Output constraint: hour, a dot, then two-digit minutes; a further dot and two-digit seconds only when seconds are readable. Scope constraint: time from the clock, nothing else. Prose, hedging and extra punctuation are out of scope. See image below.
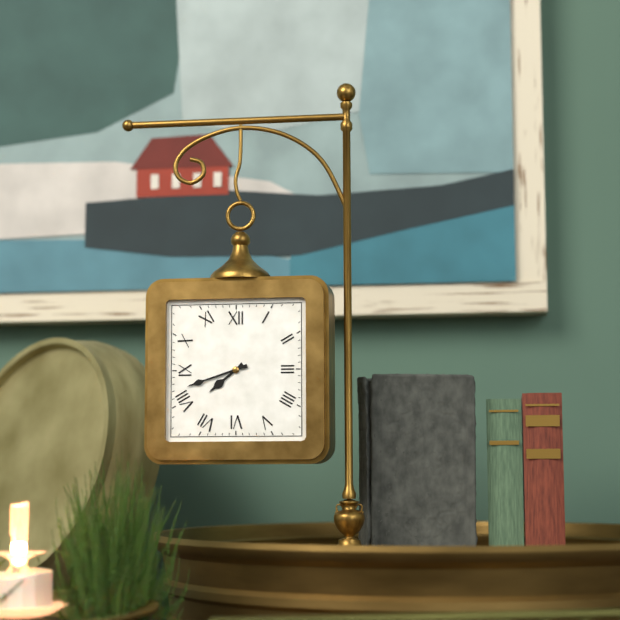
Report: 7.42
